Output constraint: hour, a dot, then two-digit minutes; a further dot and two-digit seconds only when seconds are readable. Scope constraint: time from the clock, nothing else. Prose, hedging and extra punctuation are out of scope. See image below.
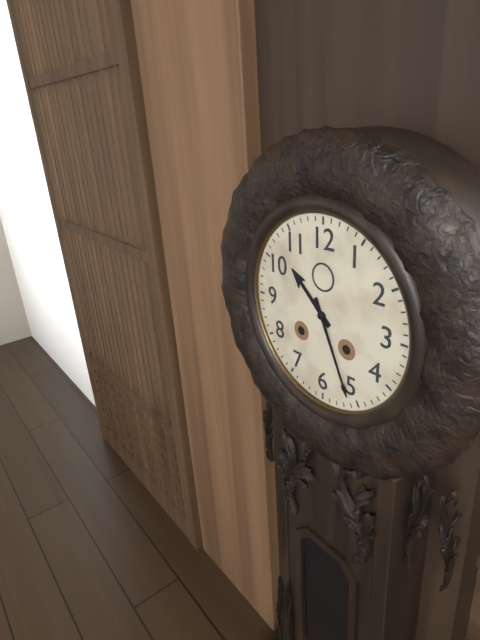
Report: 10.26
